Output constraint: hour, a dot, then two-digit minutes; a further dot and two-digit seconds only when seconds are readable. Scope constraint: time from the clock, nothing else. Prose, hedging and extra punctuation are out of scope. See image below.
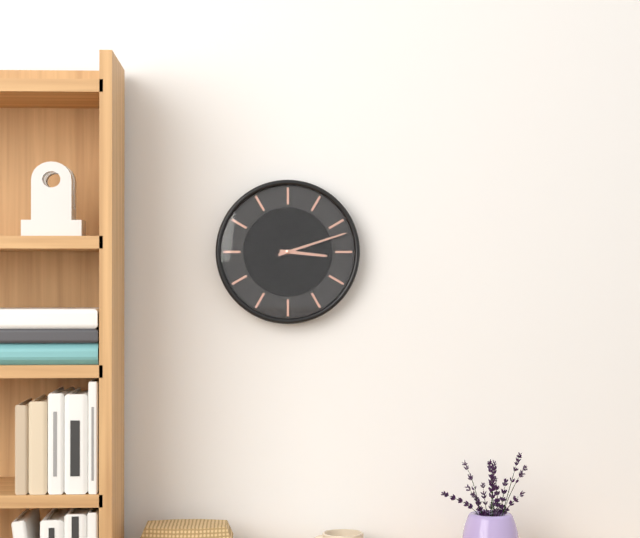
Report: 3.12
